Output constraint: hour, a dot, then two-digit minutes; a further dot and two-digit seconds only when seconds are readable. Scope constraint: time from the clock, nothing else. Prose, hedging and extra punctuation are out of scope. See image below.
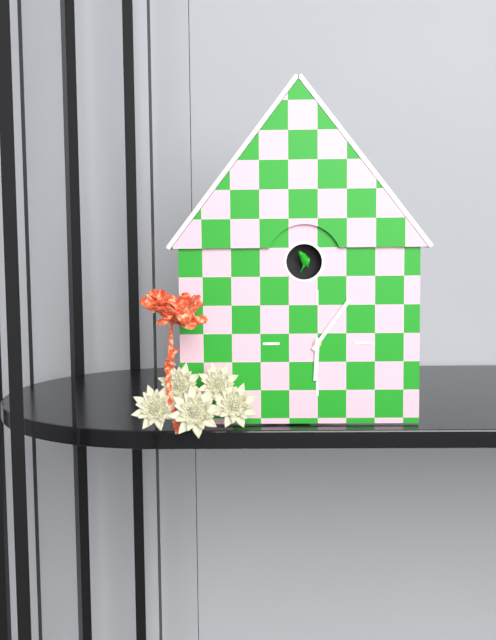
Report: 6.06
